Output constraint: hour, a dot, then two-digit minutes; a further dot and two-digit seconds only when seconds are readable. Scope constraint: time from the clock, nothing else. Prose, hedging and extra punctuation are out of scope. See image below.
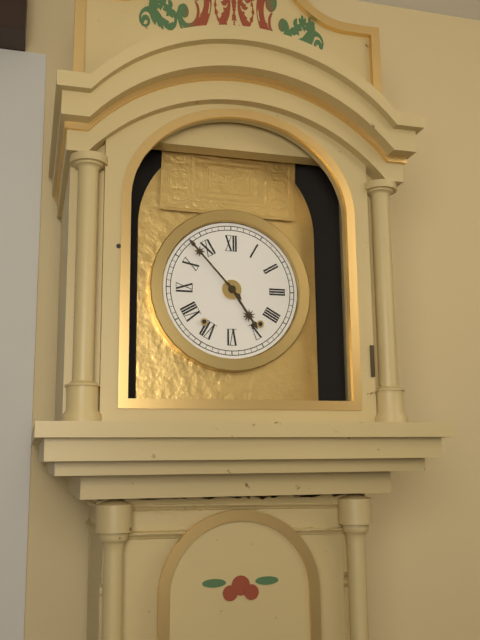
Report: 4.53
